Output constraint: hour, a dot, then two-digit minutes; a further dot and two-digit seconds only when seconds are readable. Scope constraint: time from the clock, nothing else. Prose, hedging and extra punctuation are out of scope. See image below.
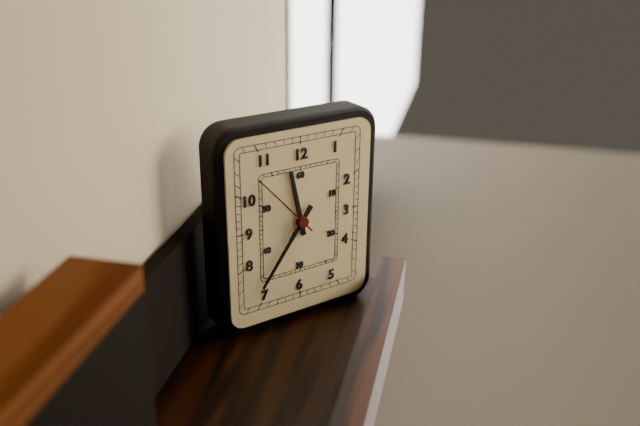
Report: 11.36.53
